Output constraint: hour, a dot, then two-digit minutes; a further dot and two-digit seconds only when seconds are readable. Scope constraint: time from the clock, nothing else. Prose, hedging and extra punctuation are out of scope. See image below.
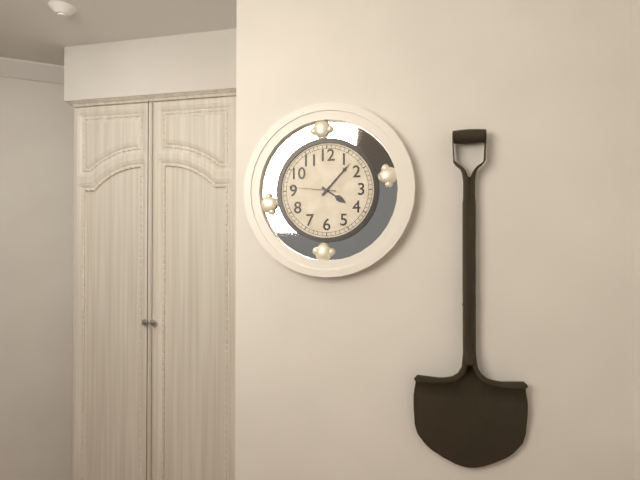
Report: 4.07.46
